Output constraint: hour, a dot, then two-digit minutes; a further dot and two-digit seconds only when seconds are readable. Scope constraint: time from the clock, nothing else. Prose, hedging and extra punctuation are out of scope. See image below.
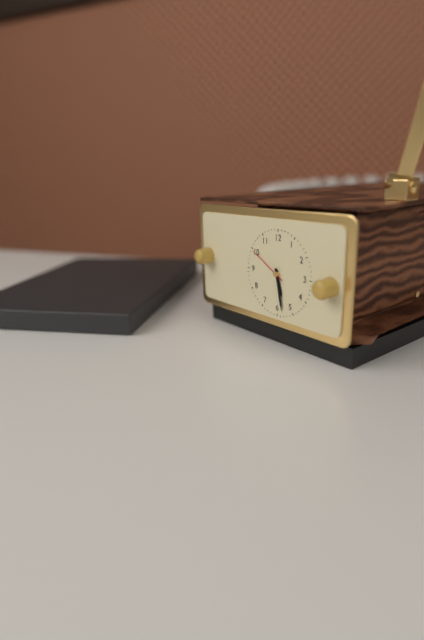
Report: 5.28
